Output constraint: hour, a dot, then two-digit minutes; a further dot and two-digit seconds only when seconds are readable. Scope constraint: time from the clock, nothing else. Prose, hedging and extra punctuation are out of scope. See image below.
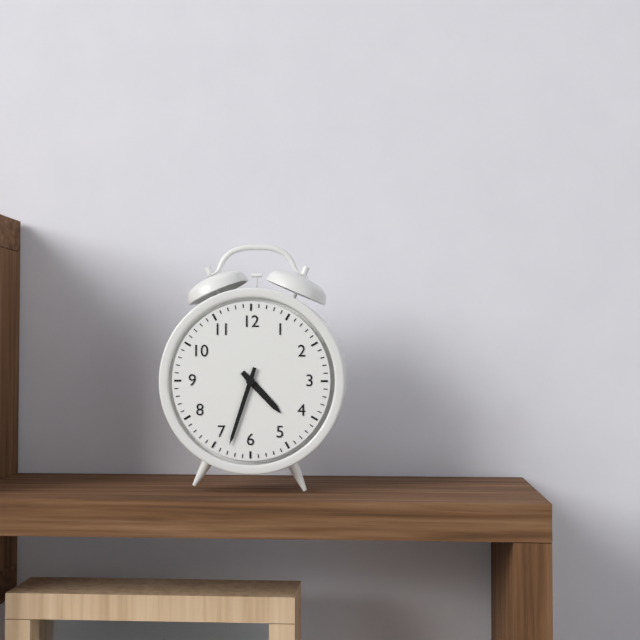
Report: 4.33
